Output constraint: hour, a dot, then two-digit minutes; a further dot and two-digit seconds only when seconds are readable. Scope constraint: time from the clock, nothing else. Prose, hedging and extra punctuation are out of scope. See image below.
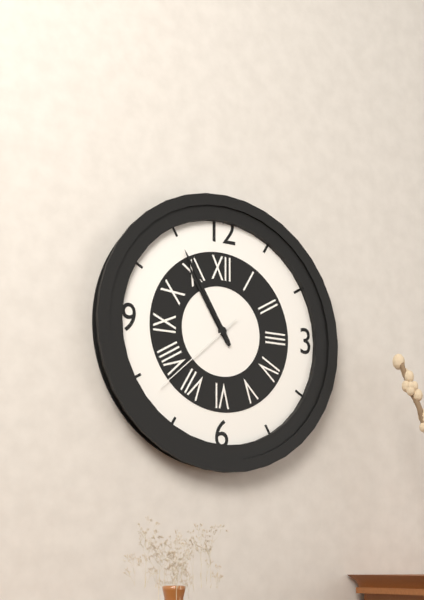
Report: 10.55.38
